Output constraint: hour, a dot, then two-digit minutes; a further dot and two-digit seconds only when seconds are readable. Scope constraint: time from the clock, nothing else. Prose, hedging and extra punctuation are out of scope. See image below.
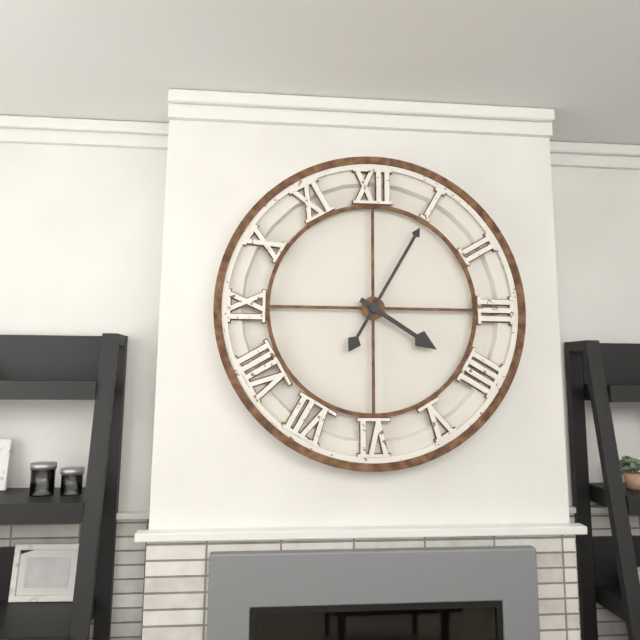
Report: 4.05
